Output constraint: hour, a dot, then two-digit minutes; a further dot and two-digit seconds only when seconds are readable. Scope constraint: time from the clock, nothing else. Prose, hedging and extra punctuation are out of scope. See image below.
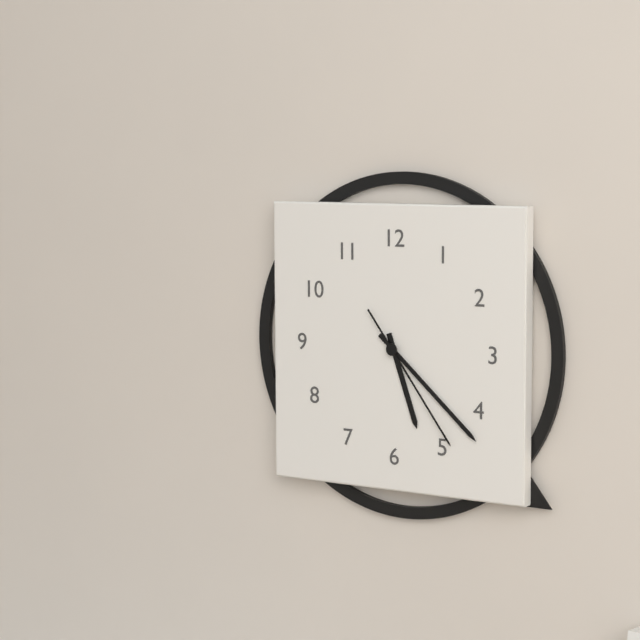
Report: 5.22.24
